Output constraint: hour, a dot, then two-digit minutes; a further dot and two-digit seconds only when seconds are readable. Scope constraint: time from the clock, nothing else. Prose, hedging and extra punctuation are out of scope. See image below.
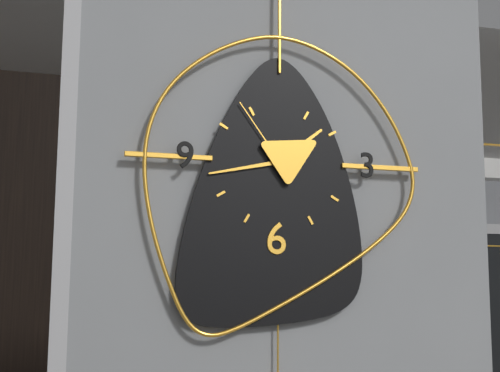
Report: 1.43.54
